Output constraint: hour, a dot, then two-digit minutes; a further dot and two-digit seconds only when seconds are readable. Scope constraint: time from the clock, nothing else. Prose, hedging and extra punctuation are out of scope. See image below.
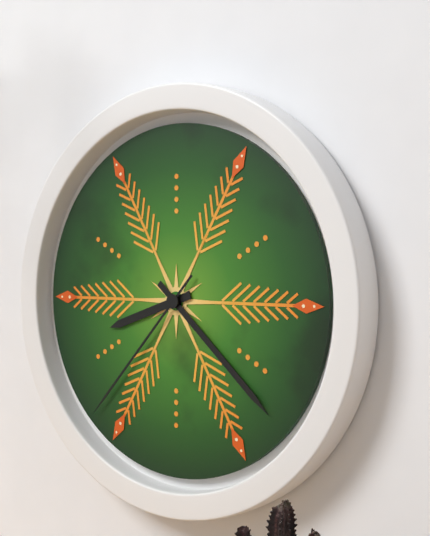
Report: 8.22.37
